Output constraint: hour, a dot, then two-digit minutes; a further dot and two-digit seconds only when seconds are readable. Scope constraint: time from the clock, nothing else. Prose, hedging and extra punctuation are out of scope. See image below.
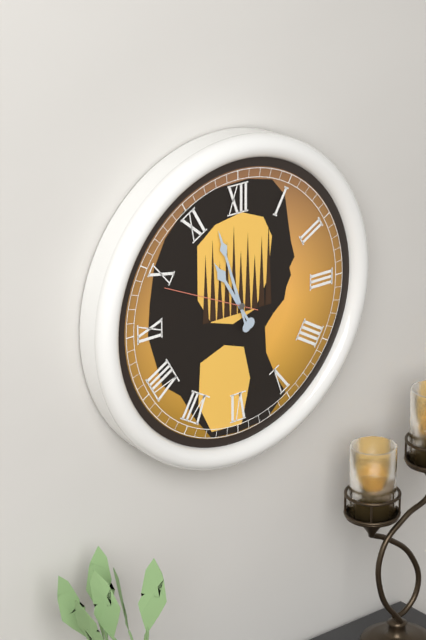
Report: 10.57.49
